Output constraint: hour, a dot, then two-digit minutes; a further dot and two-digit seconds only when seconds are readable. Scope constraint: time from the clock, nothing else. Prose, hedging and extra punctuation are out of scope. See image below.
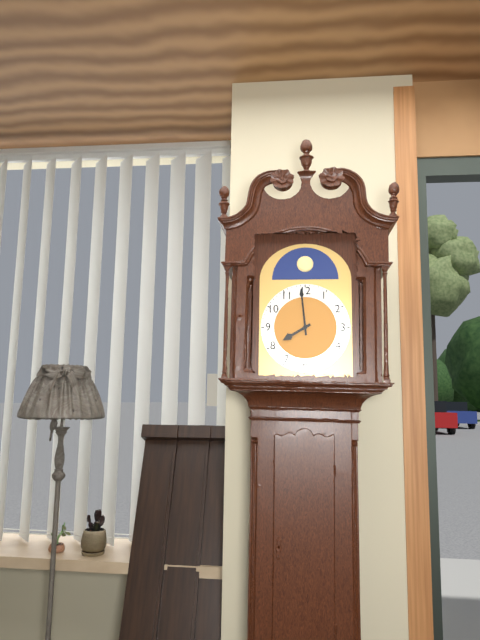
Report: 7.59
